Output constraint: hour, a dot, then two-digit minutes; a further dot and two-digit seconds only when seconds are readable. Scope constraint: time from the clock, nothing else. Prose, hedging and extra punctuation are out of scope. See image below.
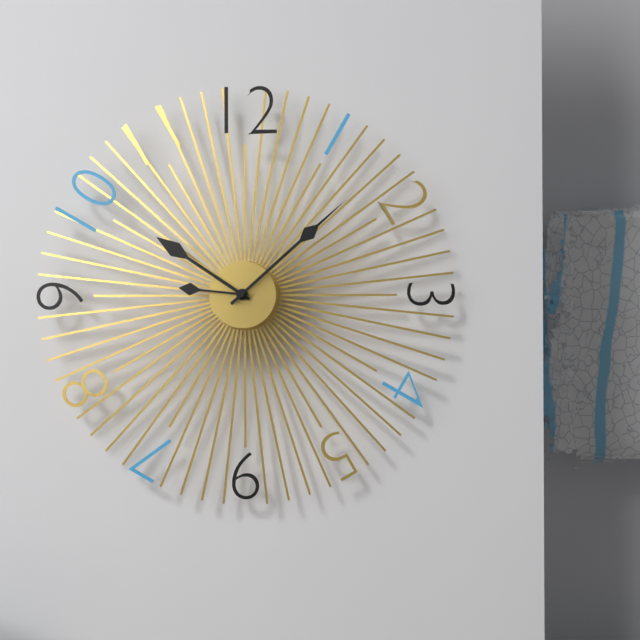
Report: 10.08.46
